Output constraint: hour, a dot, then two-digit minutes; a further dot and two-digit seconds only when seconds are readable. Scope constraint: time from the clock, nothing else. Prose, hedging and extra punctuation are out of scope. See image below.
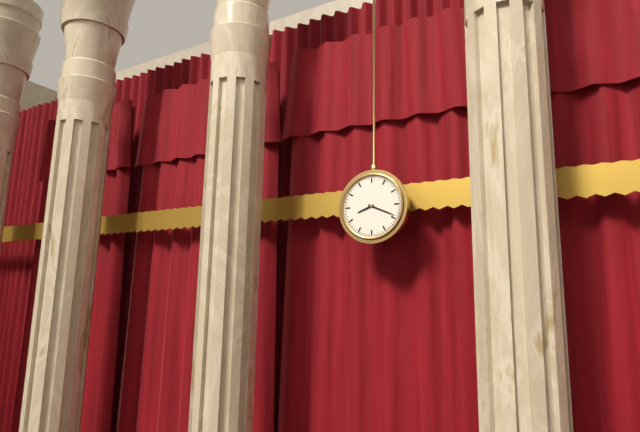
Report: 8.19
